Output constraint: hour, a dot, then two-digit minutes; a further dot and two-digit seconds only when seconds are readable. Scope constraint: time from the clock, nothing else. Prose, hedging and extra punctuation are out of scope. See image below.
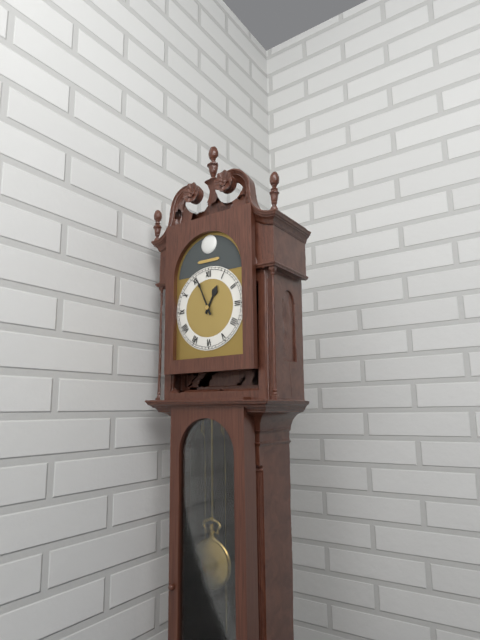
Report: 12.56
